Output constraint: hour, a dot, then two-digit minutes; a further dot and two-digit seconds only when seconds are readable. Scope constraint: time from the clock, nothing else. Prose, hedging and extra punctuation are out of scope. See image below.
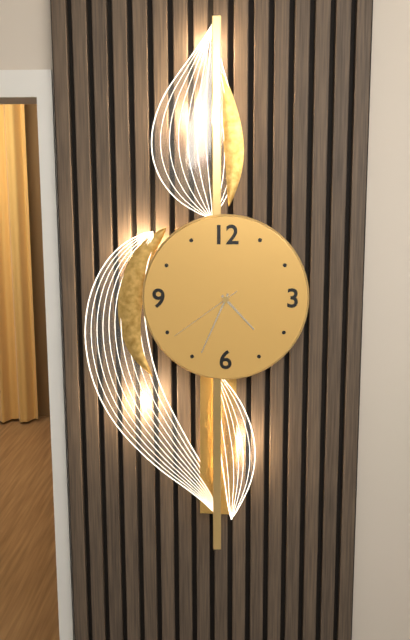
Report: 4.34.39
